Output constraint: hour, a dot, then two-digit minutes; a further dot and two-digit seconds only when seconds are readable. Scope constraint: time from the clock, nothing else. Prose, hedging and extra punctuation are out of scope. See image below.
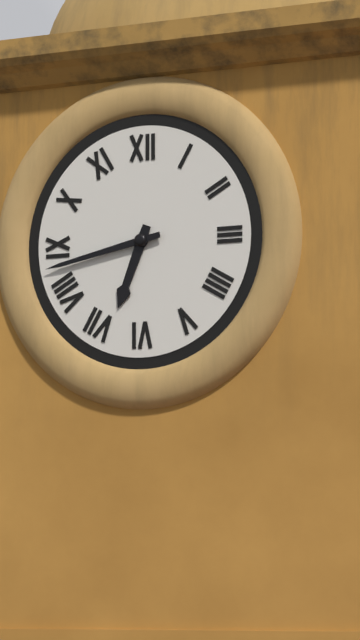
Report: 6.43
